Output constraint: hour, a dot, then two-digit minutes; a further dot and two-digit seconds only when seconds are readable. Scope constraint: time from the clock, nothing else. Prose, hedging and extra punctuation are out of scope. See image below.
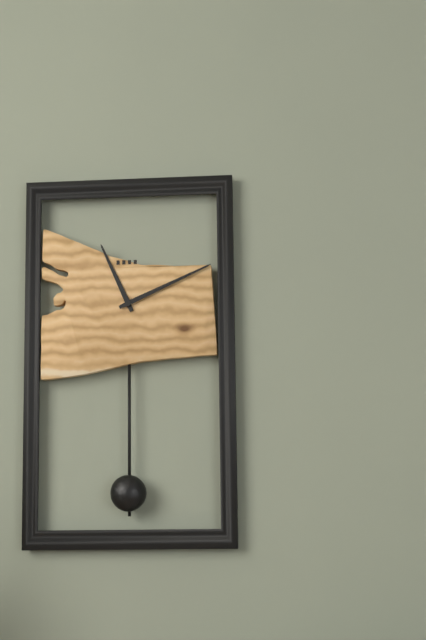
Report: 11.11
